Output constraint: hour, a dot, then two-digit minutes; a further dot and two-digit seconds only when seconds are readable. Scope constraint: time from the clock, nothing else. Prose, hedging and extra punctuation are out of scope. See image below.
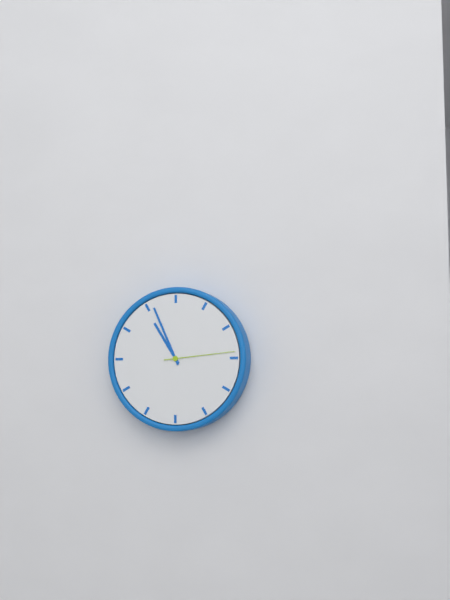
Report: 10.56.14
